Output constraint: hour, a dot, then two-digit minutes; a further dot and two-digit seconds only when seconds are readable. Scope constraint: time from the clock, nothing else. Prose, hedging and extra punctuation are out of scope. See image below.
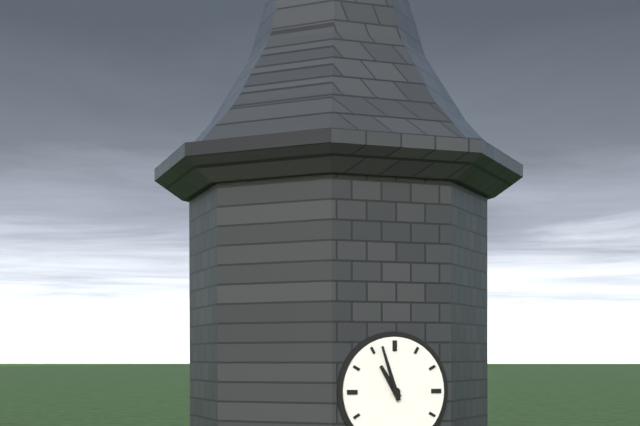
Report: 10.57
